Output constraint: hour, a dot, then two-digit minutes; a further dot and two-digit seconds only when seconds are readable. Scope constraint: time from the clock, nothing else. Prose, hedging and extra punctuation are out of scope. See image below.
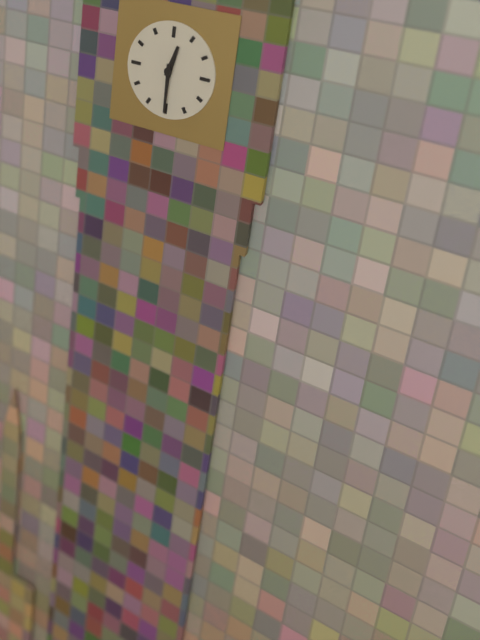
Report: 12.30
